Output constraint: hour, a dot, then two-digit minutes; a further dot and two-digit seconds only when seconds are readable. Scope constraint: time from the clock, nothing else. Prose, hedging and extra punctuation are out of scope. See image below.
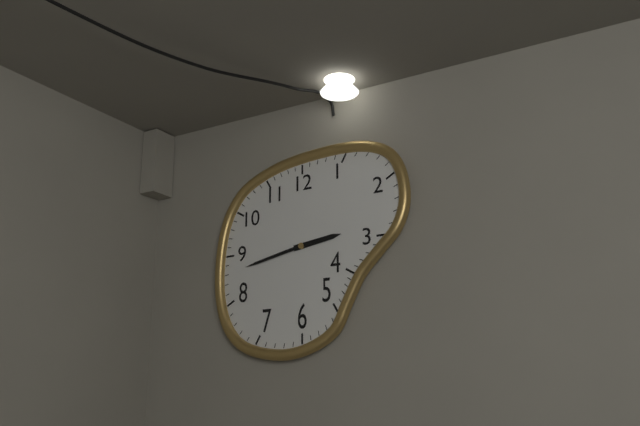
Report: 2.43
